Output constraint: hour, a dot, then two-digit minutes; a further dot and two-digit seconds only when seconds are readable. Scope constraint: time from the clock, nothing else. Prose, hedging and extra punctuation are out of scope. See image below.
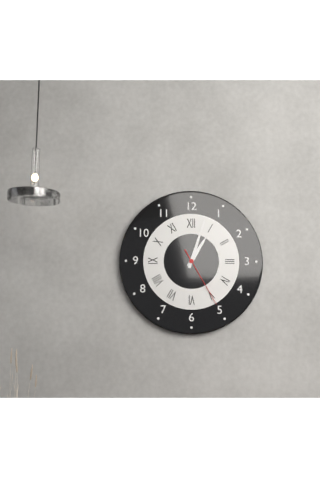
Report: 1.03.25
